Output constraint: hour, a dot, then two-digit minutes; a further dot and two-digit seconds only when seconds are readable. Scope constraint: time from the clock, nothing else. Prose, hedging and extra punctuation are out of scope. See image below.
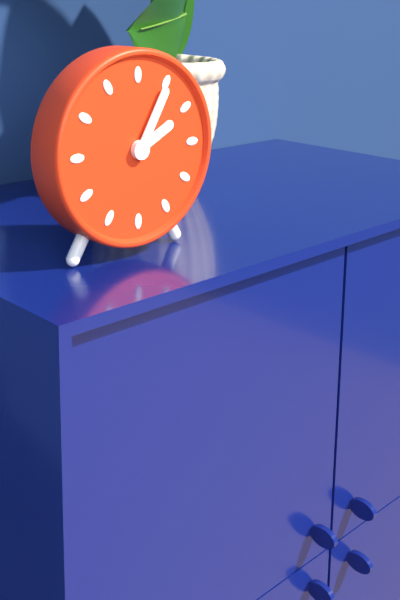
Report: 2.05
